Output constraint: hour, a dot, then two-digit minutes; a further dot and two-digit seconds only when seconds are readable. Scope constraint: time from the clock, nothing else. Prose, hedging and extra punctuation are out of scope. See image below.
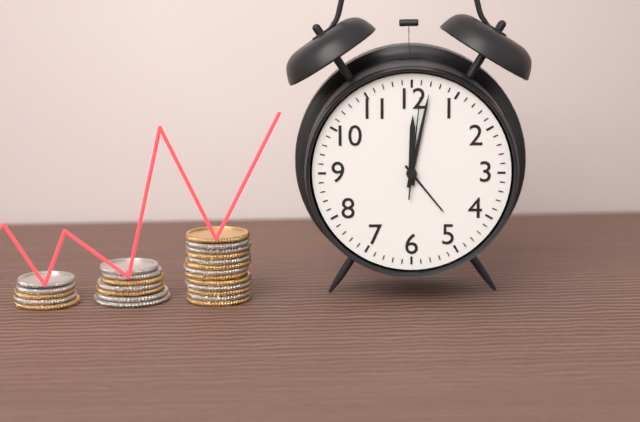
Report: 12.02.01
